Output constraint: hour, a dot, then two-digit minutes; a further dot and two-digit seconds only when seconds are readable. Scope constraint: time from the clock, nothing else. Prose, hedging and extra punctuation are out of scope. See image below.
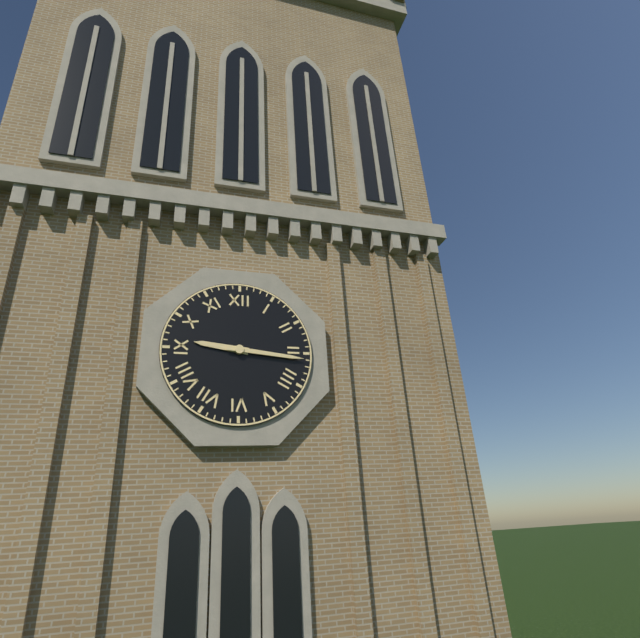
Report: 9.16
